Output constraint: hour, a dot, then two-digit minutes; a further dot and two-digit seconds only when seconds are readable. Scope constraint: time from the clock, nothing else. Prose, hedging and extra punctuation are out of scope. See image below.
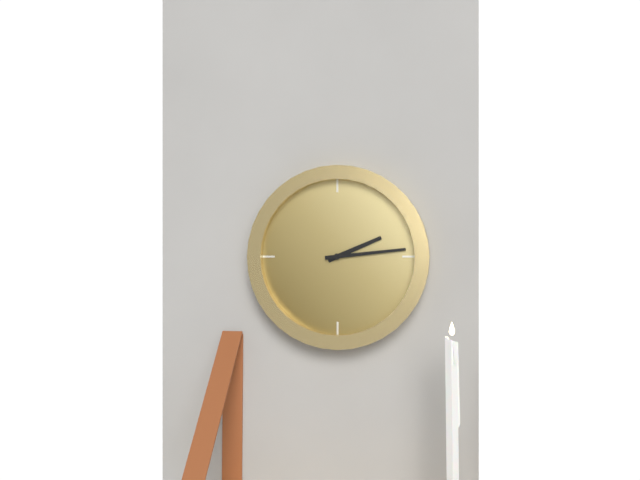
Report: 2.14
